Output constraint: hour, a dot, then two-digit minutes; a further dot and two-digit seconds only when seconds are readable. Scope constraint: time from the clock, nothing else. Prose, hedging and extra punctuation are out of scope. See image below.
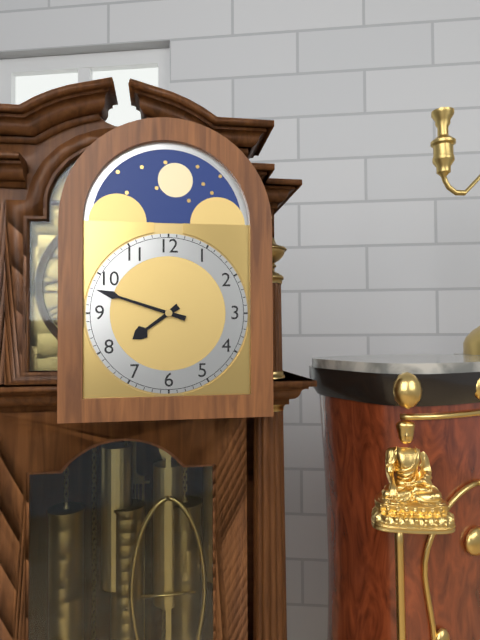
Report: 7.48
